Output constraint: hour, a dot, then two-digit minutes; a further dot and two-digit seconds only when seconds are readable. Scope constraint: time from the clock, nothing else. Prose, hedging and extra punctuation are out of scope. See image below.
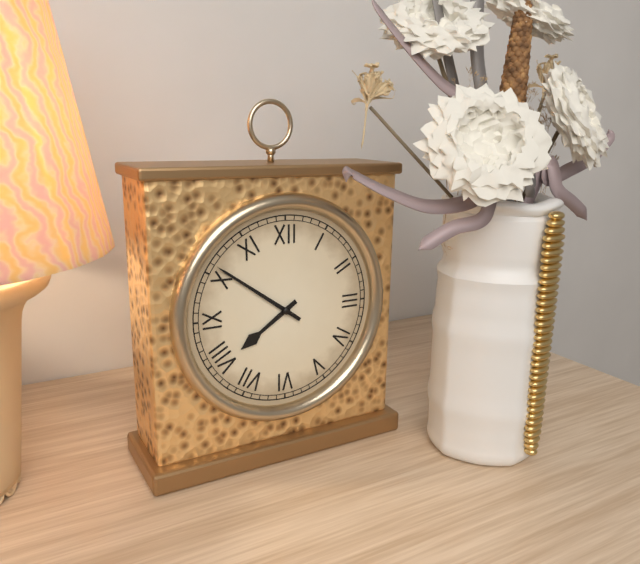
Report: 7.51
